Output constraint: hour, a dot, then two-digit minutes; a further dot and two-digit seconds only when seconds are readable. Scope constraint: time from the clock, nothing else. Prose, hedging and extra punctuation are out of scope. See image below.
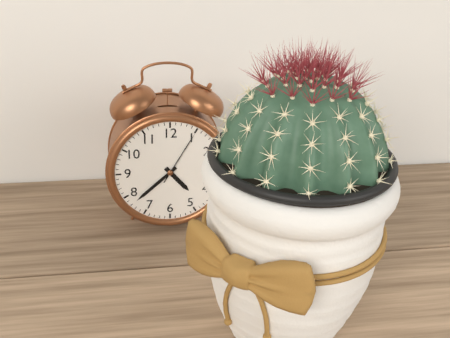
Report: 4.38.05
